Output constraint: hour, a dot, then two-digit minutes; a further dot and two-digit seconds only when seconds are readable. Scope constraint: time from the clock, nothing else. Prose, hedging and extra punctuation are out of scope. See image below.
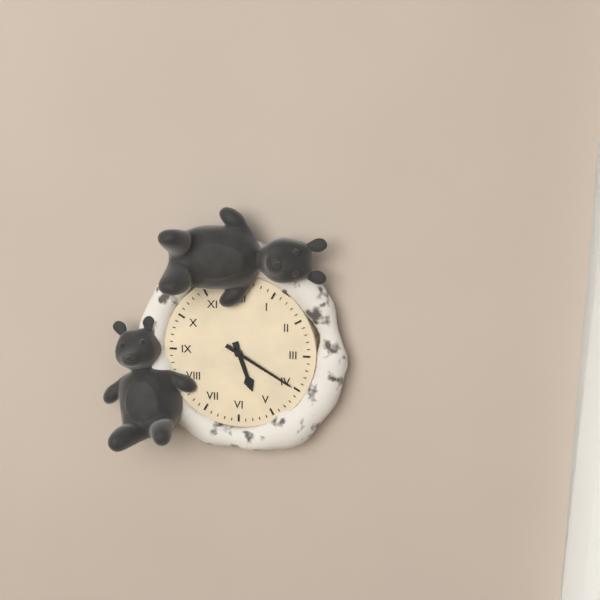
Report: 5.20
